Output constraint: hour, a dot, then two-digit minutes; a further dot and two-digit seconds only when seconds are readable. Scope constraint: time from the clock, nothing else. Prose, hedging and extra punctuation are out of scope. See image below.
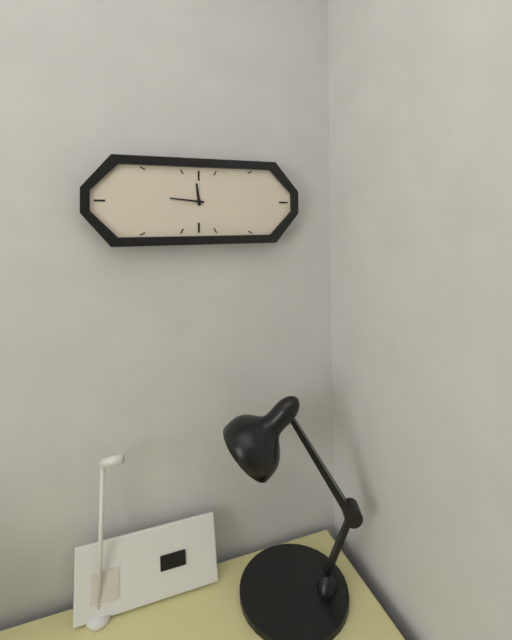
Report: 11.46
